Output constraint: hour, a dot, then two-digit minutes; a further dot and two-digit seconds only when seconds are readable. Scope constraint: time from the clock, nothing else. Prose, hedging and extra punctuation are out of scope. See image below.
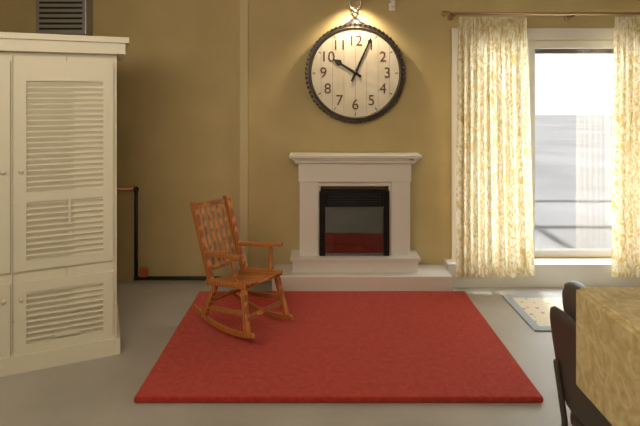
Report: 10.04
